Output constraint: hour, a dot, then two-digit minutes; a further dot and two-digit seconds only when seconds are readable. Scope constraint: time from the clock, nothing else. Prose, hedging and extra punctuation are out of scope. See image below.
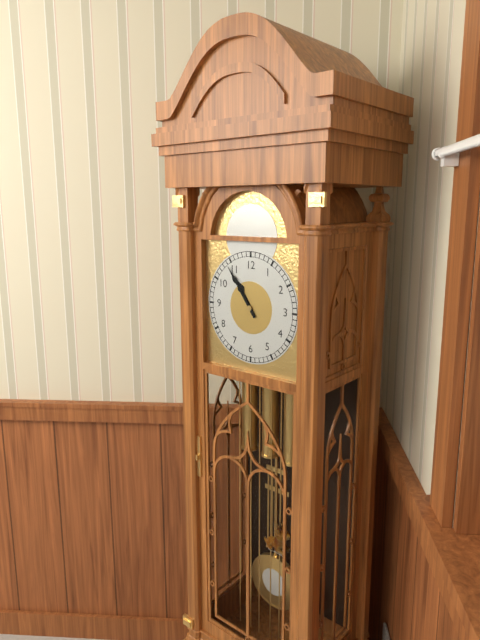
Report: 10.54
